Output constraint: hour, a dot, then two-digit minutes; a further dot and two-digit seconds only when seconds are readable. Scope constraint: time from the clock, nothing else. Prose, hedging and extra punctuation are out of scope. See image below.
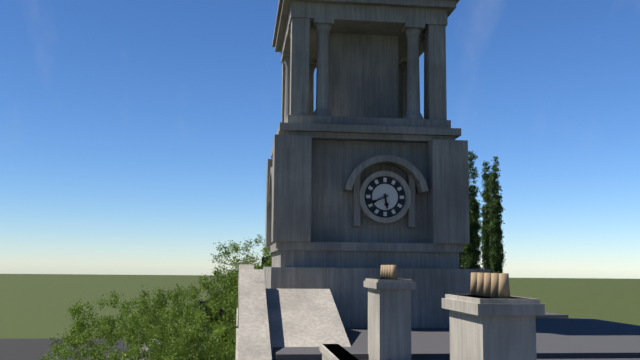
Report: 5.41
